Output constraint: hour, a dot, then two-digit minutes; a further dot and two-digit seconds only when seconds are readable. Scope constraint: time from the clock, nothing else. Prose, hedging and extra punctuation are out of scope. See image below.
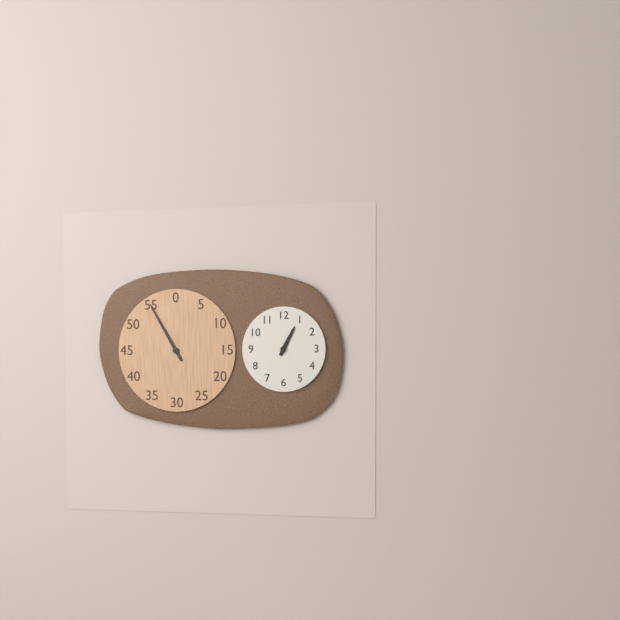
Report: 12.55
